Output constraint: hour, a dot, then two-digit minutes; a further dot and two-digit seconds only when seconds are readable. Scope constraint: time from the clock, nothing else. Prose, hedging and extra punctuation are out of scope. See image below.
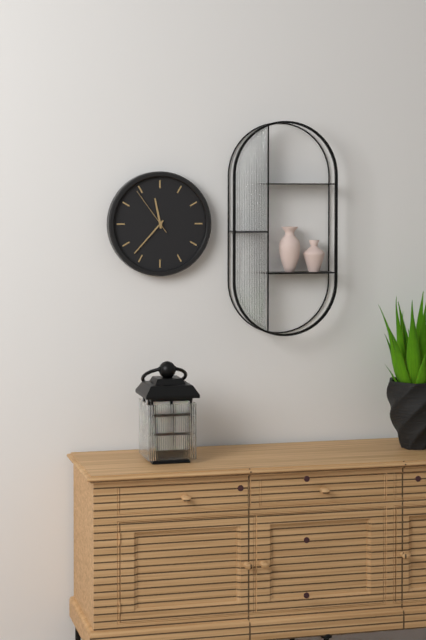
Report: 11.37.54
